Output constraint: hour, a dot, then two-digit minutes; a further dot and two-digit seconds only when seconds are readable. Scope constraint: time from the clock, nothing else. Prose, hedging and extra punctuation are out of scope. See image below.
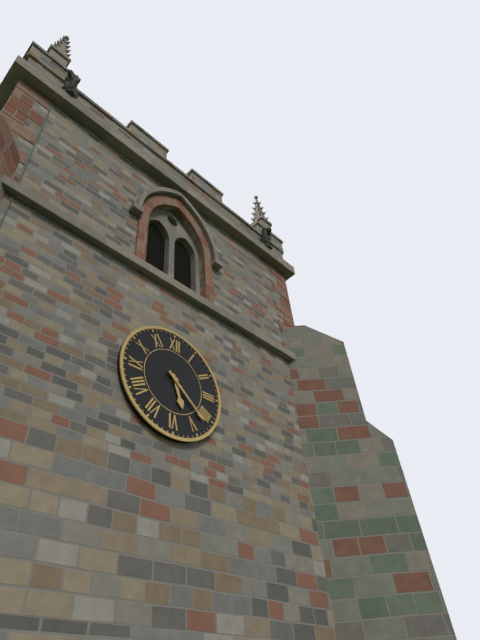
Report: 5.22
